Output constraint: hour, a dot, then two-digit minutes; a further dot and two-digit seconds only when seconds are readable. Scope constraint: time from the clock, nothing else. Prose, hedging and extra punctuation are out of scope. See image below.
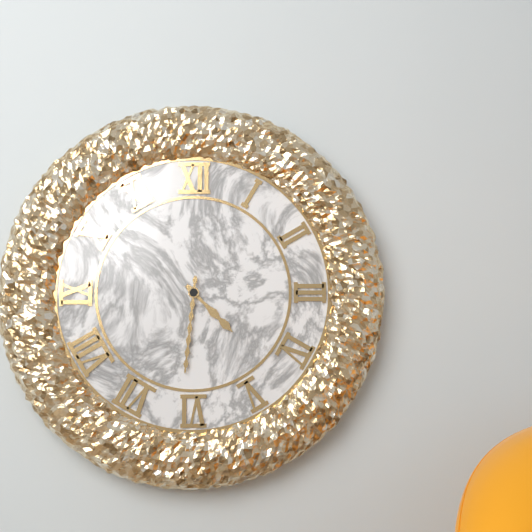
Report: 4.31
